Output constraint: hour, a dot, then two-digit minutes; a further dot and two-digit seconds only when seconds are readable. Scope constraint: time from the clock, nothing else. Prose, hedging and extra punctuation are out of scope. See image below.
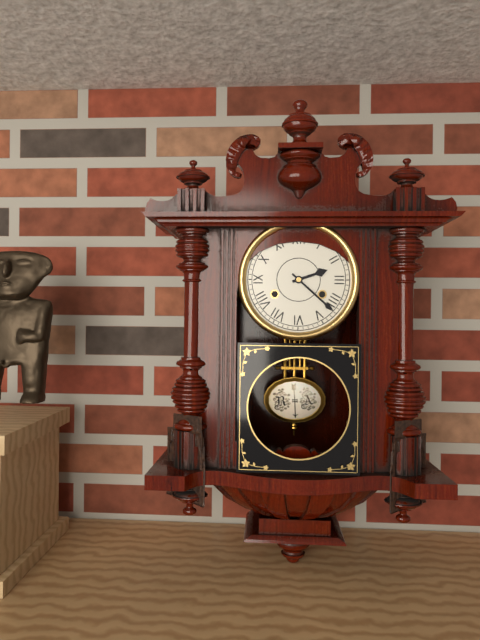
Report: 2.22
